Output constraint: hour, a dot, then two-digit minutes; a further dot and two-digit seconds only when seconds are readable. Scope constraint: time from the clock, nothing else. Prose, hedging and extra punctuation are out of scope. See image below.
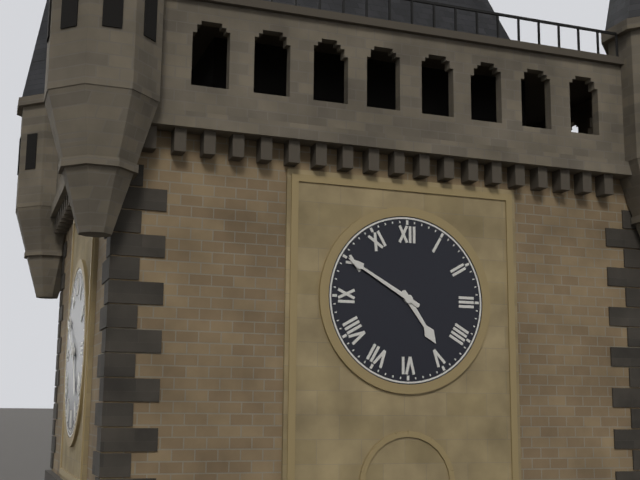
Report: 4.50
